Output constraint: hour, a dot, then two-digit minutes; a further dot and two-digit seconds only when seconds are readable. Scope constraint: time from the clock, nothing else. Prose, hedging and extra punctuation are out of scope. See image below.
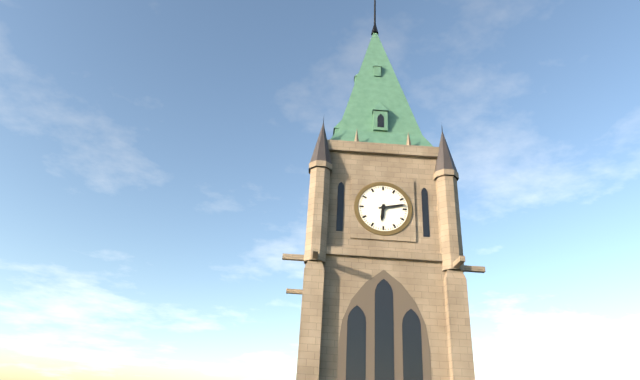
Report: 6.13
